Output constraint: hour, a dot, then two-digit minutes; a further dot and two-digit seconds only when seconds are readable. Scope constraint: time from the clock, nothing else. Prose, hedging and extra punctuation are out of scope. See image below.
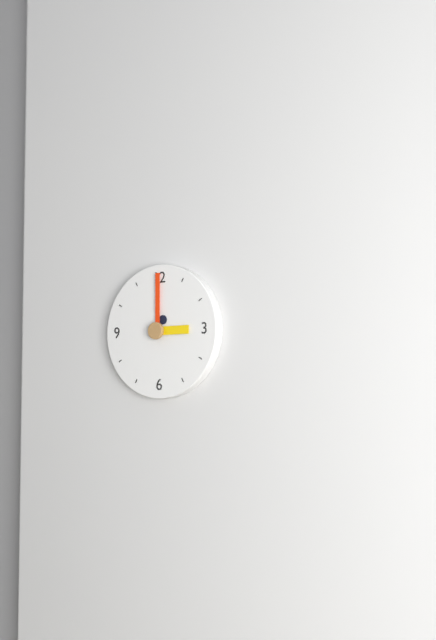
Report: 3.00
